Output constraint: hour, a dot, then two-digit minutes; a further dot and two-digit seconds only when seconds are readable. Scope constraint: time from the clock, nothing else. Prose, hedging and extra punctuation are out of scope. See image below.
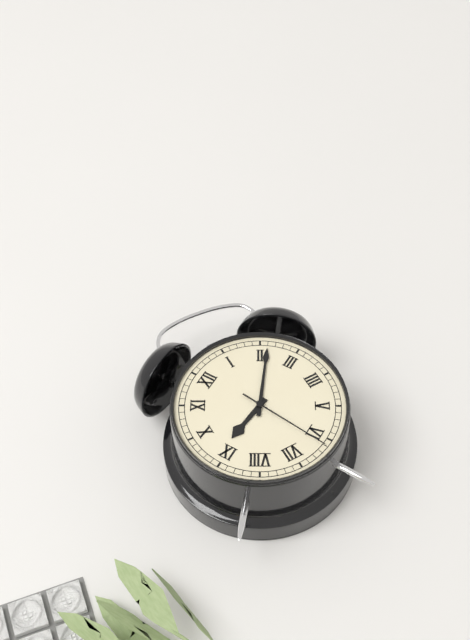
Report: 9.11.31
